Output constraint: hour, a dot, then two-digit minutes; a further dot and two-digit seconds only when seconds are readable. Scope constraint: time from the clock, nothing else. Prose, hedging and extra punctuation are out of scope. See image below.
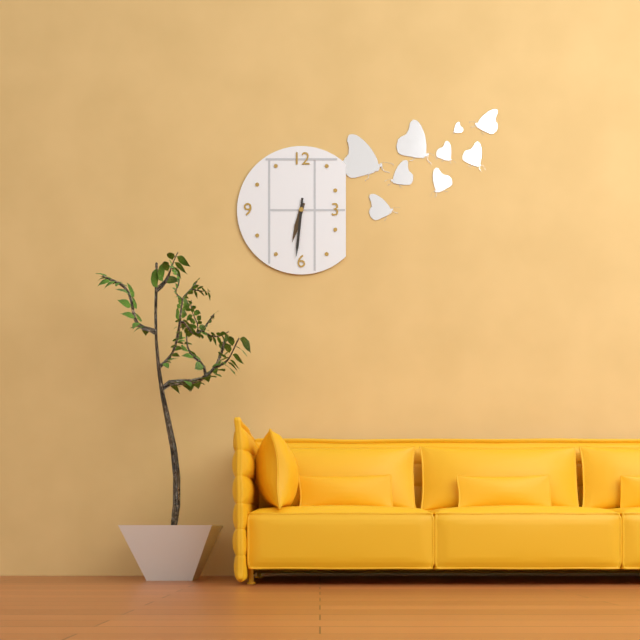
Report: 6.31
